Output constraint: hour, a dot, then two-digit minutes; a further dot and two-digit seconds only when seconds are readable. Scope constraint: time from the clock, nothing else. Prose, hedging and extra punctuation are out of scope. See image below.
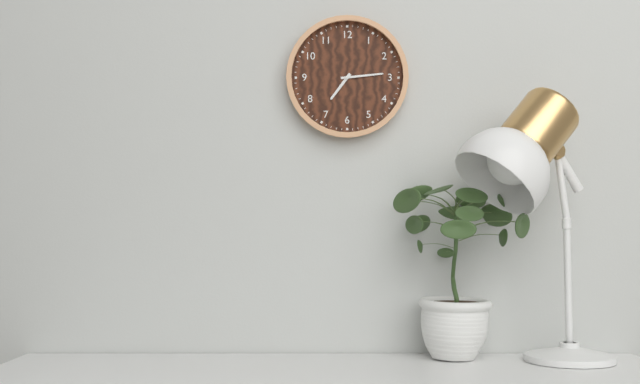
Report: 7.14
